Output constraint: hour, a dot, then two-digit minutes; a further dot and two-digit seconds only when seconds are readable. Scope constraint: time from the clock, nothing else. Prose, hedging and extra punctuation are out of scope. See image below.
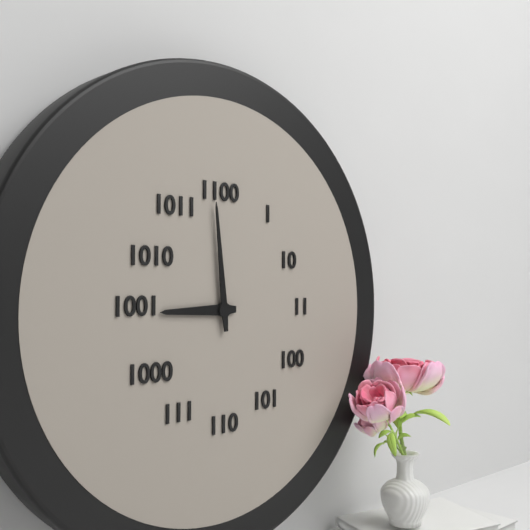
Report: 8.59
